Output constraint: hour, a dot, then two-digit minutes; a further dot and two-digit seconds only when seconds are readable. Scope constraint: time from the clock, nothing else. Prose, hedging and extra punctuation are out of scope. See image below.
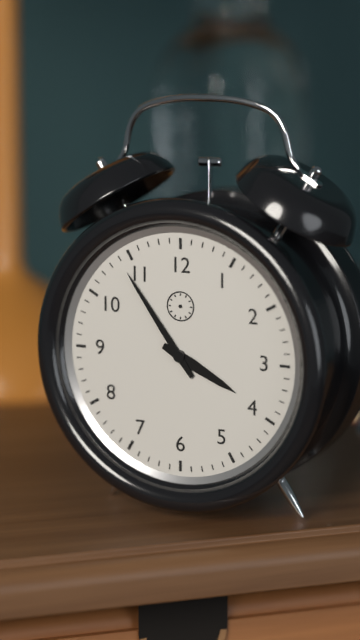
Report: 3.54
